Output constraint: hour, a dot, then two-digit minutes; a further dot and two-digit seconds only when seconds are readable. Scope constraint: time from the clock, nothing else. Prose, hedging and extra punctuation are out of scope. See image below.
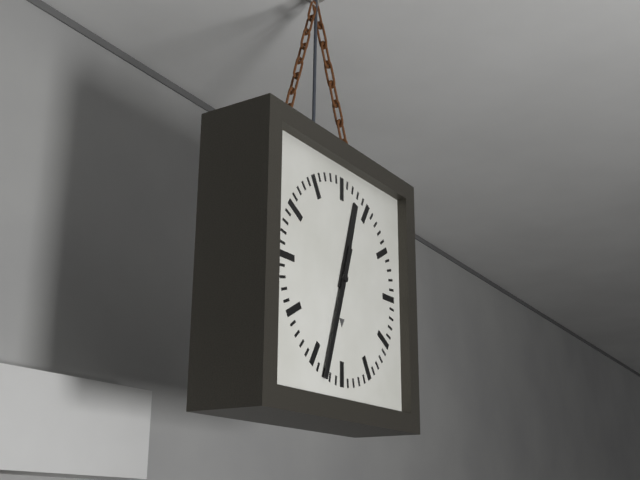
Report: 12.33
